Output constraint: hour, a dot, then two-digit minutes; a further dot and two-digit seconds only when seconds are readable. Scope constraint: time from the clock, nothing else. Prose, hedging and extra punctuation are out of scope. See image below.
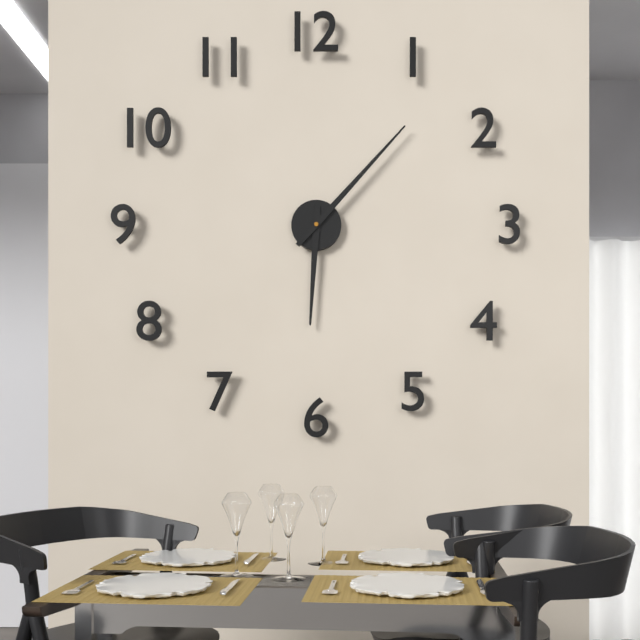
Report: 6.07
